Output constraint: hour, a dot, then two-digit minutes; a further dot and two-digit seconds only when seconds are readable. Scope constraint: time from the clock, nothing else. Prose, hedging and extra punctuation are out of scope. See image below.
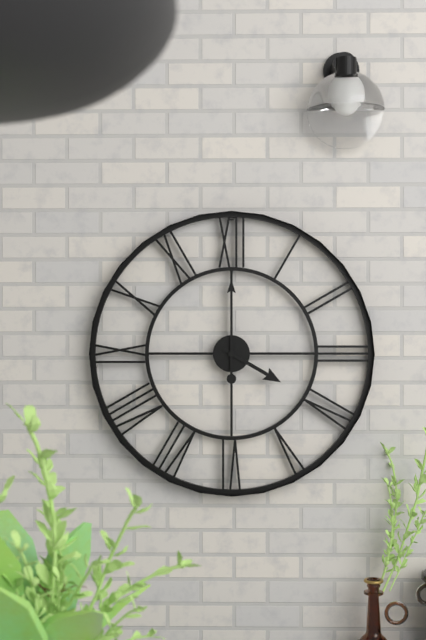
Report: 4.00
